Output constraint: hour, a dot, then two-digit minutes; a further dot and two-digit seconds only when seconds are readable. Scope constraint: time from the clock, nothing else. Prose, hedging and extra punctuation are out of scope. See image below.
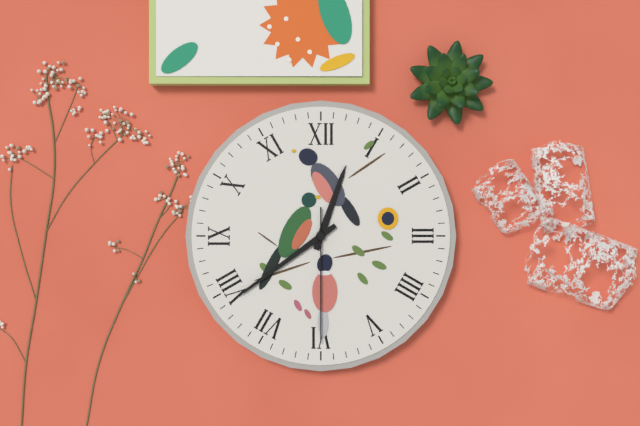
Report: 12.39.30
